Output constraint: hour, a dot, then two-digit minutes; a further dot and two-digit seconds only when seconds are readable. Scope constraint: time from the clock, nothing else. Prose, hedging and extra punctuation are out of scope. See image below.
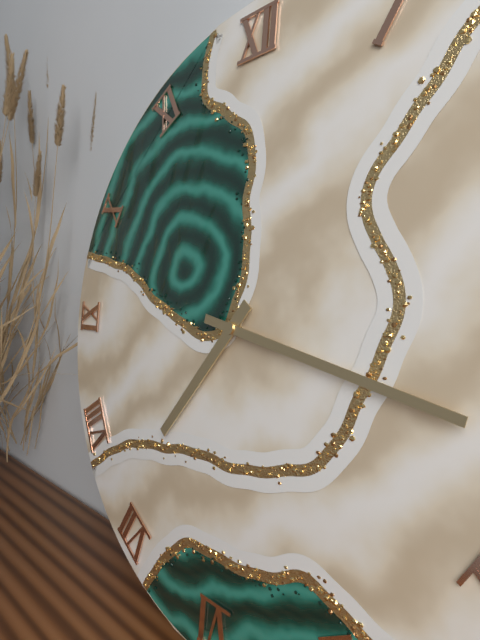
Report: 7.17
